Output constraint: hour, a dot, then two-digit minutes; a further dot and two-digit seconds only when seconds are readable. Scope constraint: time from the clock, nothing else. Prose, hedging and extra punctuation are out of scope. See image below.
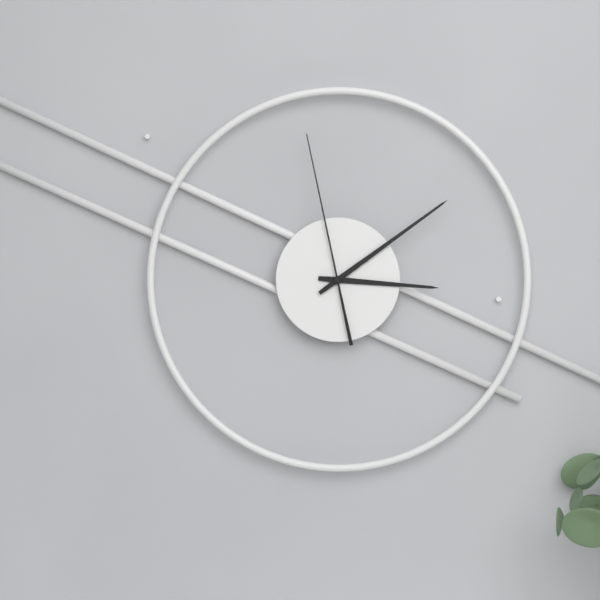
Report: 3.09.58
